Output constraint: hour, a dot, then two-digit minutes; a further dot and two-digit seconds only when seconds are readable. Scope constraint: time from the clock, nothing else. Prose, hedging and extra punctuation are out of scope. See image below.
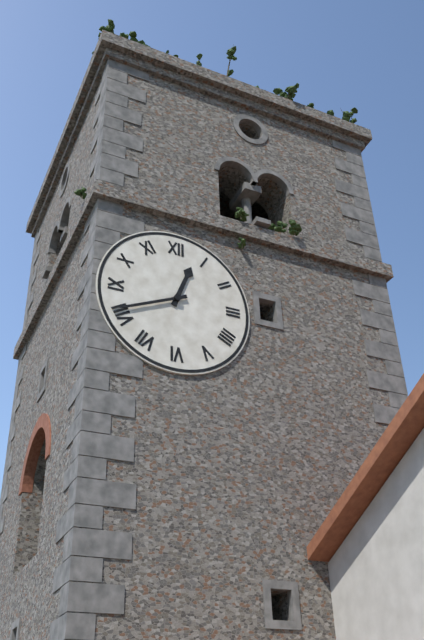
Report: 12.41
